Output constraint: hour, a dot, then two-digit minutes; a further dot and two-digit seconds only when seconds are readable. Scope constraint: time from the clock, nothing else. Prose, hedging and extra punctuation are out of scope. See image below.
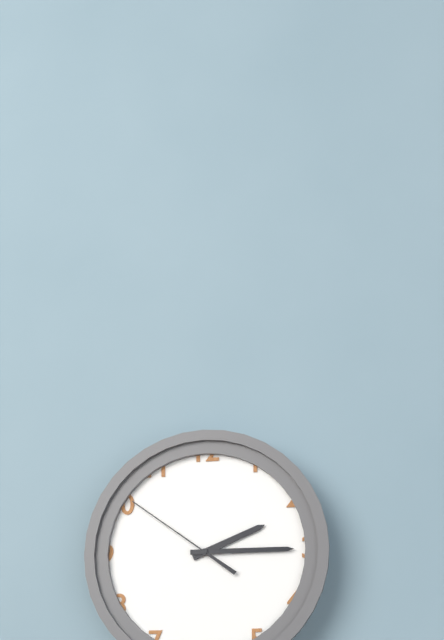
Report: 2.15.51
